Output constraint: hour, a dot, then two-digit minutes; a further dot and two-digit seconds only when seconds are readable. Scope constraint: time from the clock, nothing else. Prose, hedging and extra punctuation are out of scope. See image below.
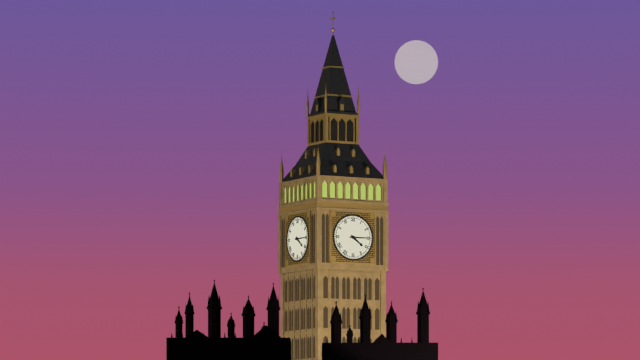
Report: 4.15
